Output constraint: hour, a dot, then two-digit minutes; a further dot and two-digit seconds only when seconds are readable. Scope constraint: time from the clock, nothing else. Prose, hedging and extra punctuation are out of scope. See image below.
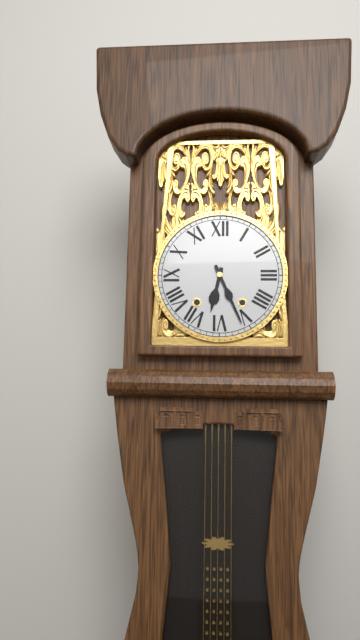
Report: 6.26
